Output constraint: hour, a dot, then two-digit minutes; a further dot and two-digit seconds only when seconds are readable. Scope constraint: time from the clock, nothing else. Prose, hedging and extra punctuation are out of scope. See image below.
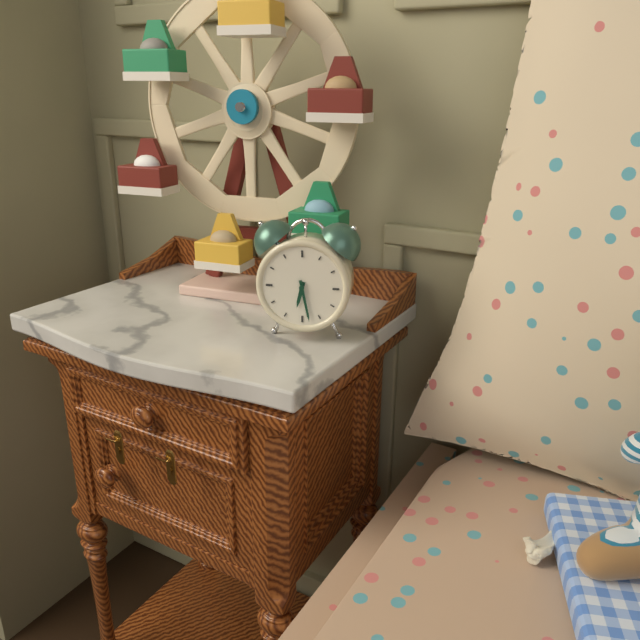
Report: 6.28
